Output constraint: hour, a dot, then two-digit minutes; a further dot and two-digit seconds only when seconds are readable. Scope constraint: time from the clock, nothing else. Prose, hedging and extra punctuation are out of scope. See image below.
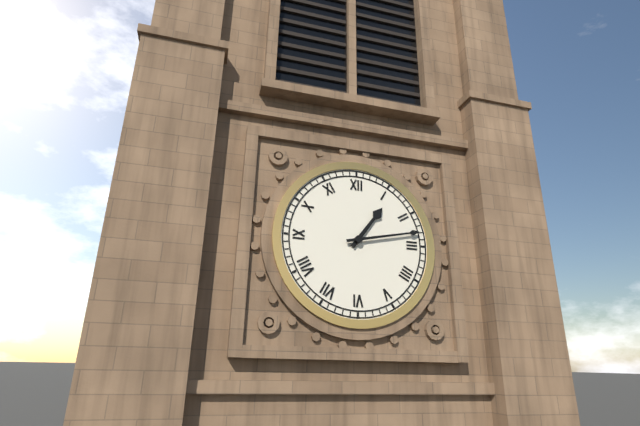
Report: 1.13
